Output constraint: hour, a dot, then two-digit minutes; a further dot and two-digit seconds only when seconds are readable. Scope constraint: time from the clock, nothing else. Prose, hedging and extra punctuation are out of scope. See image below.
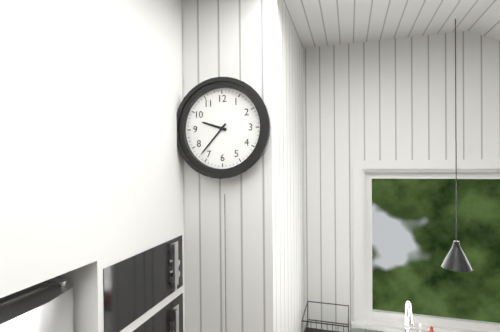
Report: 9.37
